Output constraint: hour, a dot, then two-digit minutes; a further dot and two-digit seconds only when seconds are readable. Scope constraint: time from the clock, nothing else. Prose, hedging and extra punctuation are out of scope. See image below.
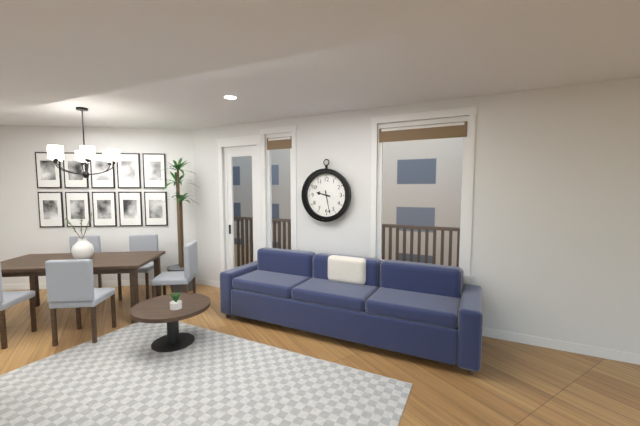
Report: 9.28
